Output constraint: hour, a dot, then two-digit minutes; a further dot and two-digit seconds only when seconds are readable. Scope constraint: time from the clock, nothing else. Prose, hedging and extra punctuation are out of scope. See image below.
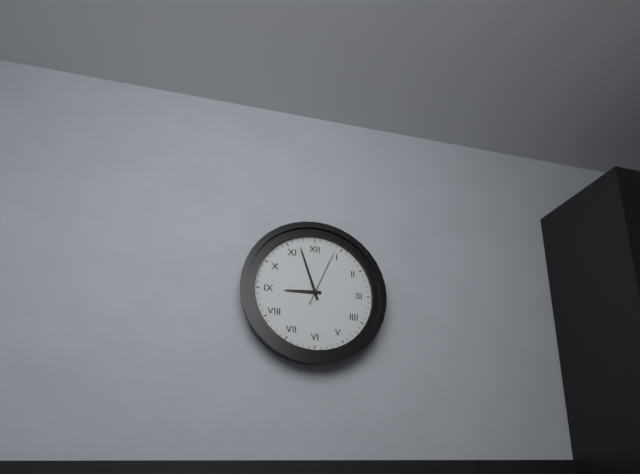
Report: 8.57.04
